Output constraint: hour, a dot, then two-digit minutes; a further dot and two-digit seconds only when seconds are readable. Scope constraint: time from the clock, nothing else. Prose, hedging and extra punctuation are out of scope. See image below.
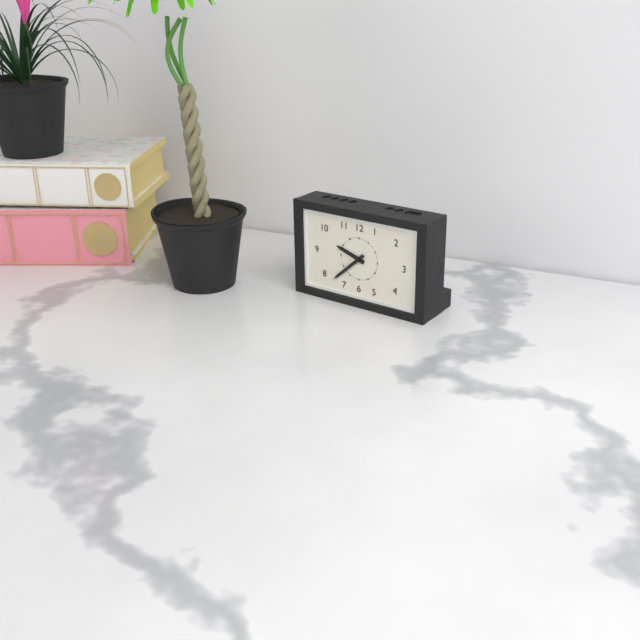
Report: 9.38
